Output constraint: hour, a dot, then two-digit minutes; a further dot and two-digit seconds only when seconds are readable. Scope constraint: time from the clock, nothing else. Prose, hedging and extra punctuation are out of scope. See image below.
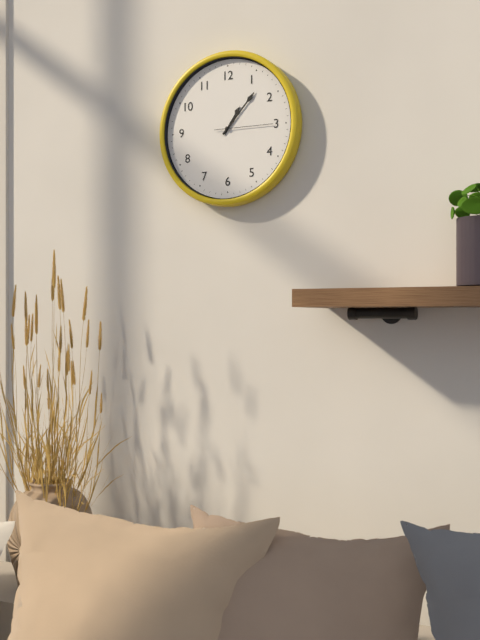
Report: 1.07.15
